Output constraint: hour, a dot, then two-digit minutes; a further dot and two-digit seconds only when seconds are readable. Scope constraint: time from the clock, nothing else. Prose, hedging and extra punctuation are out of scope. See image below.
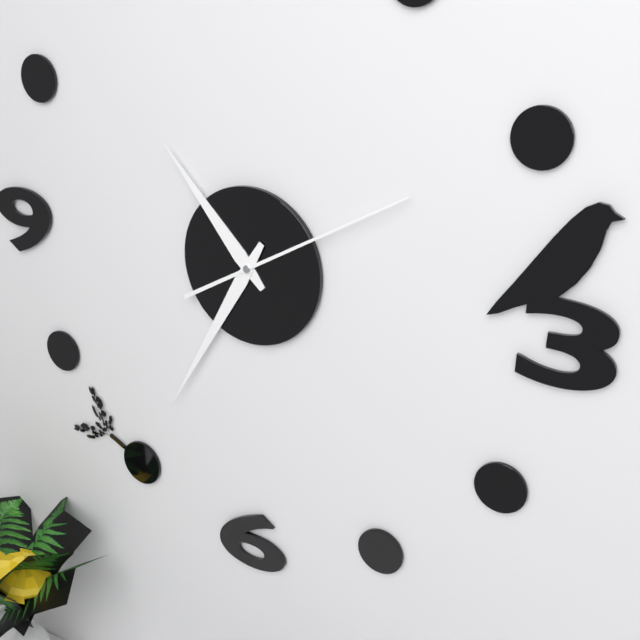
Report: 10.35.10
